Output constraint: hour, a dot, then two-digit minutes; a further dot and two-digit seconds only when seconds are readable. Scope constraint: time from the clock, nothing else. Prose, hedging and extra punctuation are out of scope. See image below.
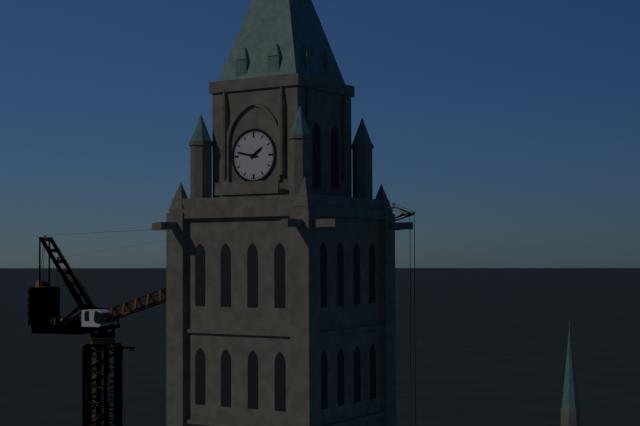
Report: 1.47
